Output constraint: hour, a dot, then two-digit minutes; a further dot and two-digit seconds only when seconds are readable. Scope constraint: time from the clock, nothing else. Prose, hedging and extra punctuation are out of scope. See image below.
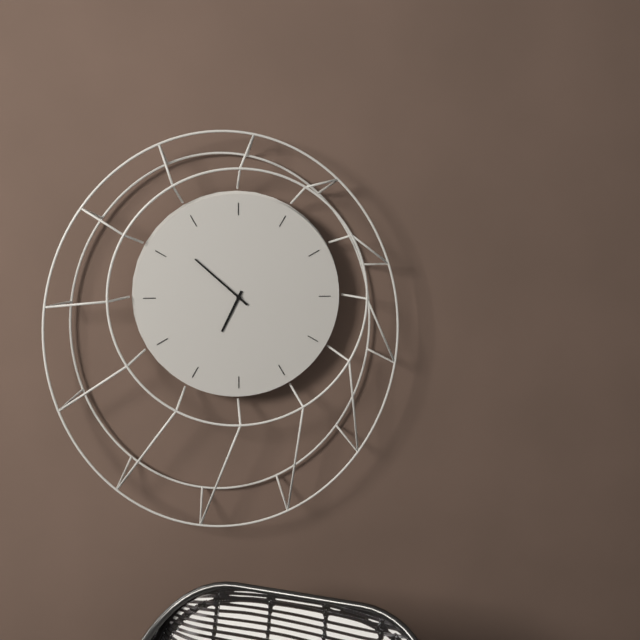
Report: 6.52
